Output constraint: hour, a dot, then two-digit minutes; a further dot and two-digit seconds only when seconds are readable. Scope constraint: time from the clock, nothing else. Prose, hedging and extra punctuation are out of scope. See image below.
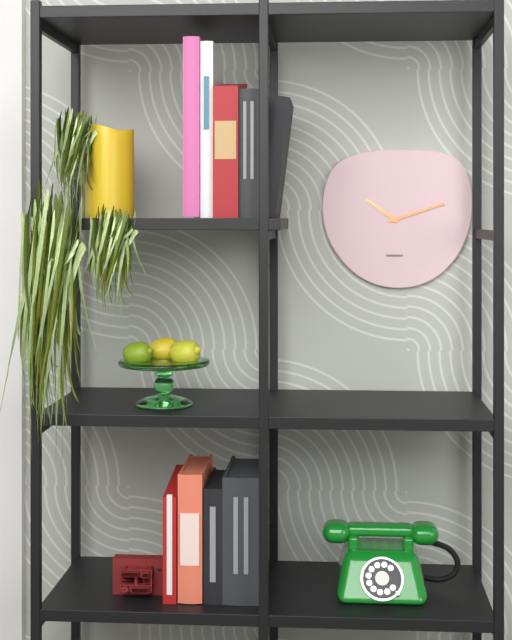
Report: 10.12
